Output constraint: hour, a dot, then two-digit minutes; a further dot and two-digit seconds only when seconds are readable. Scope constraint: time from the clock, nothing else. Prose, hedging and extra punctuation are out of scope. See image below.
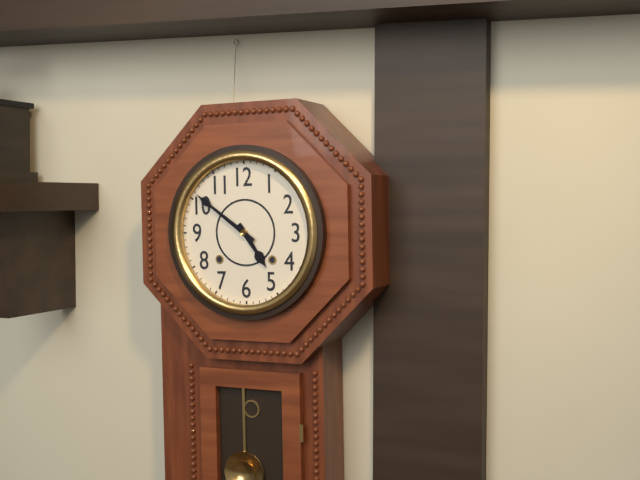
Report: 4.51
